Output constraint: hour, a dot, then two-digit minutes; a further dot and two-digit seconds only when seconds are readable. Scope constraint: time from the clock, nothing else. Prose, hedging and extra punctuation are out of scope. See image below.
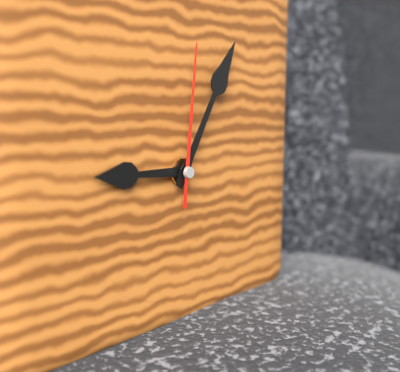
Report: 9.05.01
